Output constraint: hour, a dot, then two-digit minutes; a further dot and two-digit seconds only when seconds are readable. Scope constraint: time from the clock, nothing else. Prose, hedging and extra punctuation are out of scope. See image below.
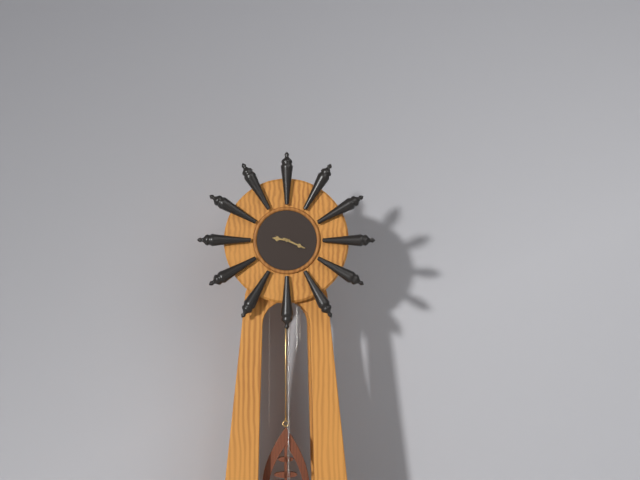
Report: 9.19
